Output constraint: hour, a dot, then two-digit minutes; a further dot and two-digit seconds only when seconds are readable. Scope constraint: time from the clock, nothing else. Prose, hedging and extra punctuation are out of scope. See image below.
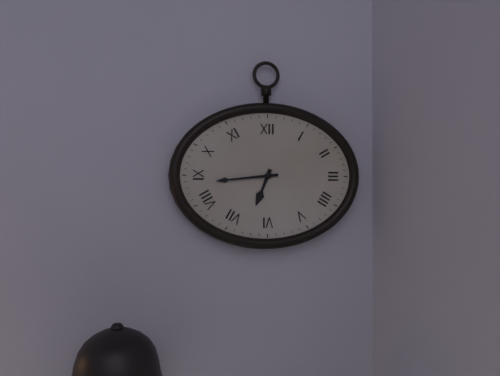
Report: 6.44
